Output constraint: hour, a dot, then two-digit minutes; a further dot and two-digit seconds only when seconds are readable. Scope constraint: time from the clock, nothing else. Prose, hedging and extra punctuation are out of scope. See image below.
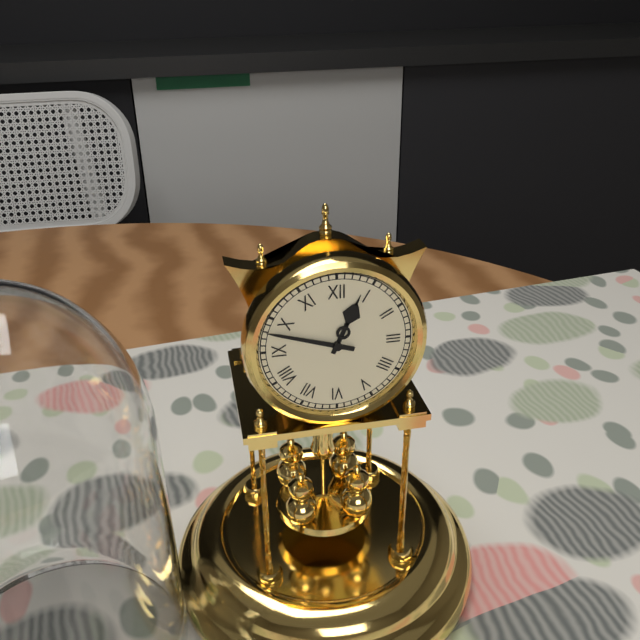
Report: 12.48
